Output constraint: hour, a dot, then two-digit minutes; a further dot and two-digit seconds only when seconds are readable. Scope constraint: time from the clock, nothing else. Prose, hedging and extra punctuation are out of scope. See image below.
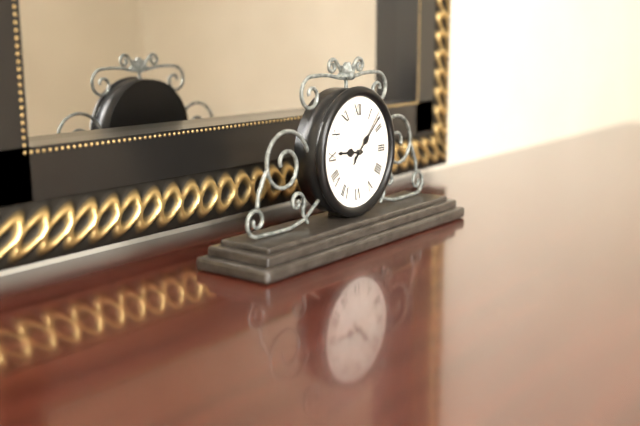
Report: 9.08.07
